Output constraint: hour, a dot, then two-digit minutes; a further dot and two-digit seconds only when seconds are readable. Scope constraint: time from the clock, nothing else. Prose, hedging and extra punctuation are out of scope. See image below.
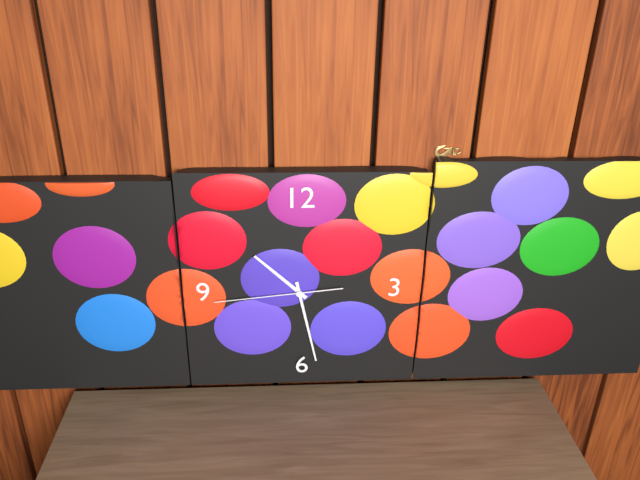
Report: 10.28.44
